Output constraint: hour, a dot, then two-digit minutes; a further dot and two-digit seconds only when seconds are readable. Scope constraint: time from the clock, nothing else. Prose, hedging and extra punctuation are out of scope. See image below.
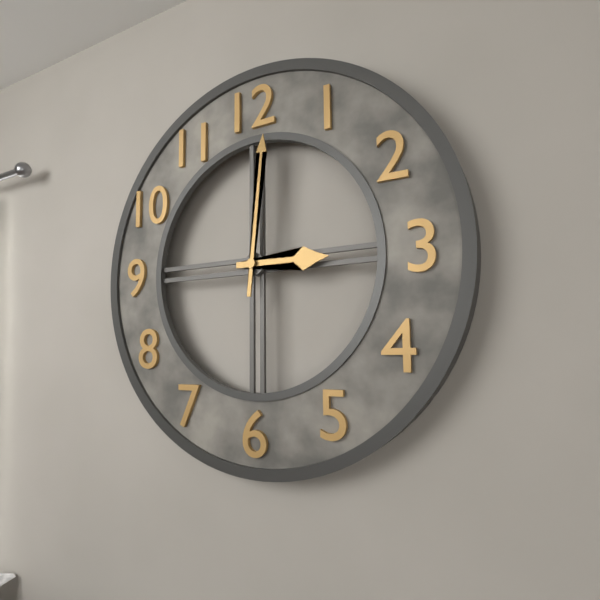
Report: 3.01
